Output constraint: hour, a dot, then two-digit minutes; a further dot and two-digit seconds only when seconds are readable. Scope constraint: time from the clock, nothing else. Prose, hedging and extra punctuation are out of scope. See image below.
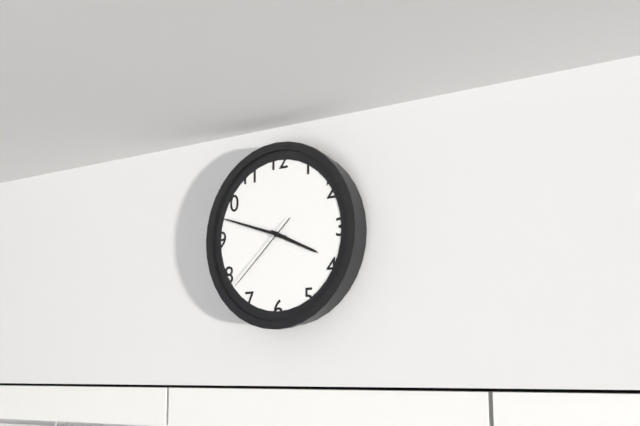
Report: 3.48.38
